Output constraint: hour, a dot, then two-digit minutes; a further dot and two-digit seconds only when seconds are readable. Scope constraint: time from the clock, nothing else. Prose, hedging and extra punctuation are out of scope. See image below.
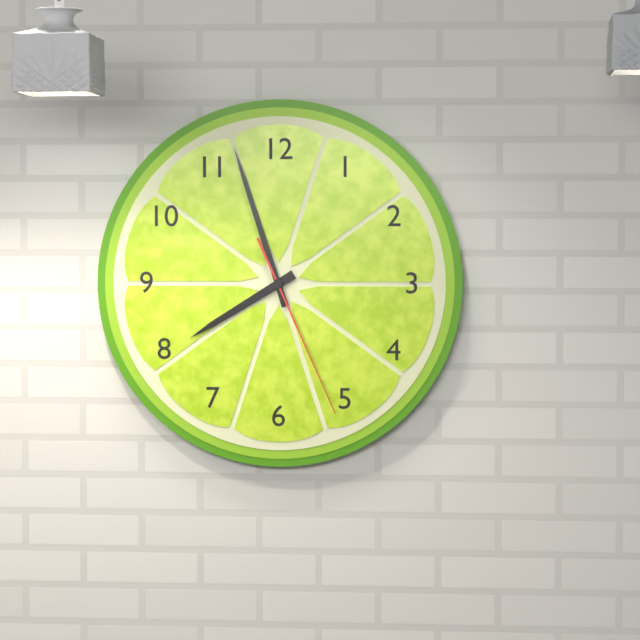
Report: 7.57.26
